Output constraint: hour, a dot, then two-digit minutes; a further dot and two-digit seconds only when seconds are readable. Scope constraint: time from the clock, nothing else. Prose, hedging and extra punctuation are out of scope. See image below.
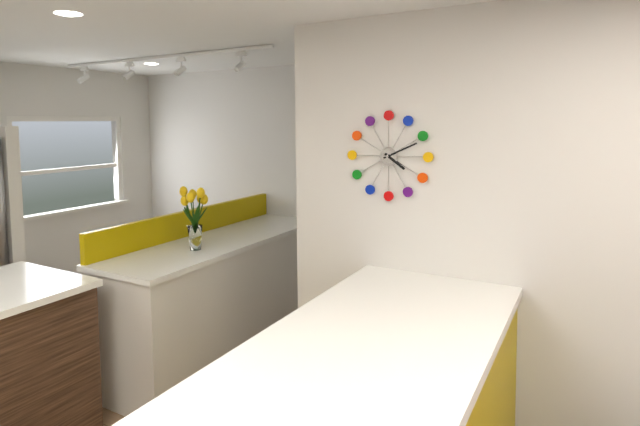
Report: 4.11
